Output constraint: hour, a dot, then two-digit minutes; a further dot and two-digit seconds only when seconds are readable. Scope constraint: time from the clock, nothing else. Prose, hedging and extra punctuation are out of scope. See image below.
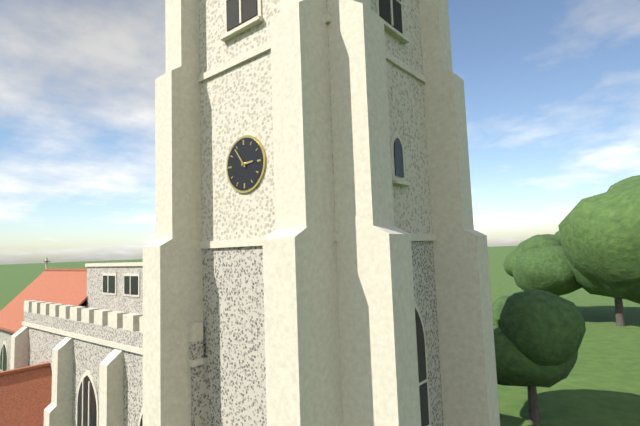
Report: 2.54
